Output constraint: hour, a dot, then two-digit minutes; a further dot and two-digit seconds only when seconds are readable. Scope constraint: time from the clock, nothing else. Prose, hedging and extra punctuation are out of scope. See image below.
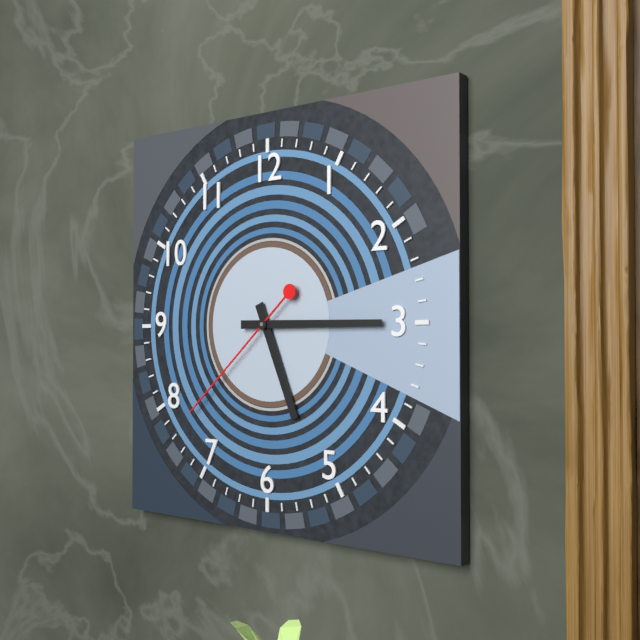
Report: 5.15.38
